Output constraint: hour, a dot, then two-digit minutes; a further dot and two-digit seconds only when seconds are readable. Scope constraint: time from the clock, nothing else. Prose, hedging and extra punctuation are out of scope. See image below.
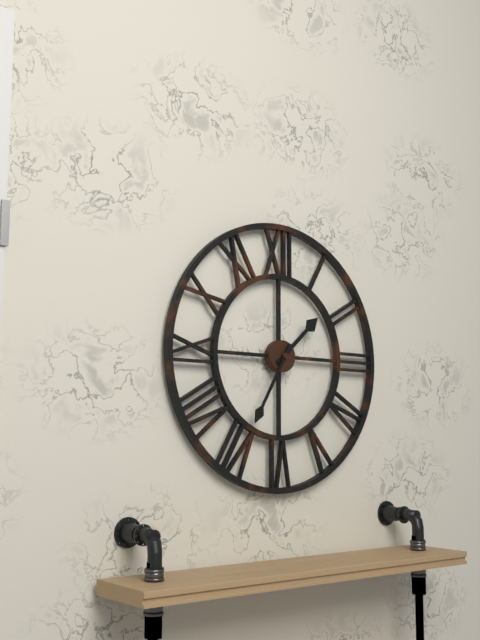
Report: 1.35
